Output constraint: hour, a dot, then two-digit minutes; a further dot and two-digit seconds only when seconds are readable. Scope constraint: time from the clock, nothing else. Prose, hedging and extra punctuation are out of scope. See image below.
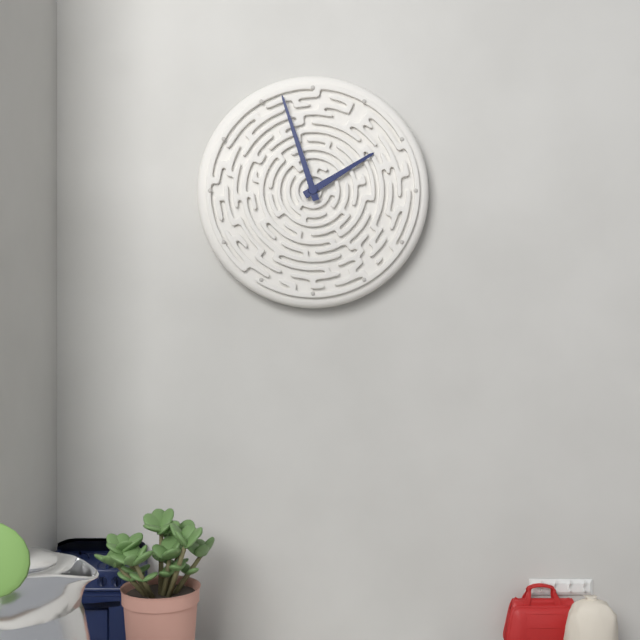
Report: 1.57
